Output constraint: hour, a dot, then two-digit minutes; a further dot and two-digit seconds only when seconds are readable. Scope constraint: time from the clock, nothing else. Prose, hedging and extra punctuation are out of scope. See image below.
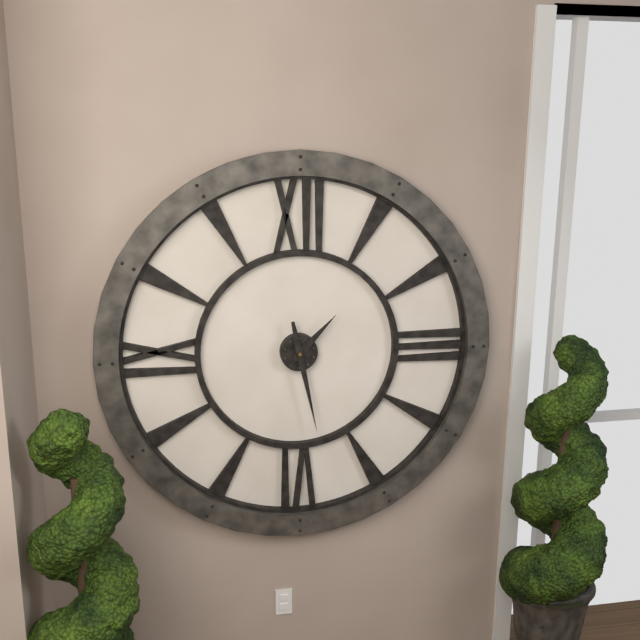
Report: 1.28
